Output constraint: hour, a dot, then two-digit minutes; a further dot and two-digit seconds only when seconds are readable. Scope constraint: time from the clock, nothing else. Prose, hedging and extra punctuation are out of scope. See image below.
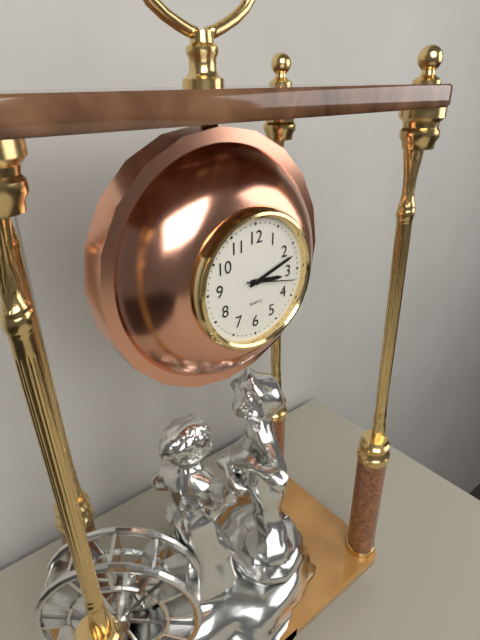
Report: 3.12
